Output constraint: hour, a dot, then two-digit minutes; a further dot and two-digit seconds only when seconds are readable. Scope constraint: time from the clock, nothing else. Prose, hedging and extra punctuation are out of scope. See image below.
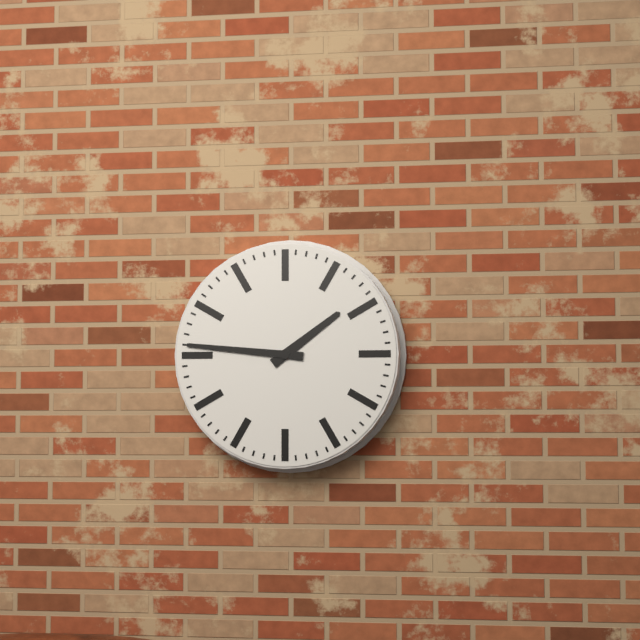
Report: 1.46
